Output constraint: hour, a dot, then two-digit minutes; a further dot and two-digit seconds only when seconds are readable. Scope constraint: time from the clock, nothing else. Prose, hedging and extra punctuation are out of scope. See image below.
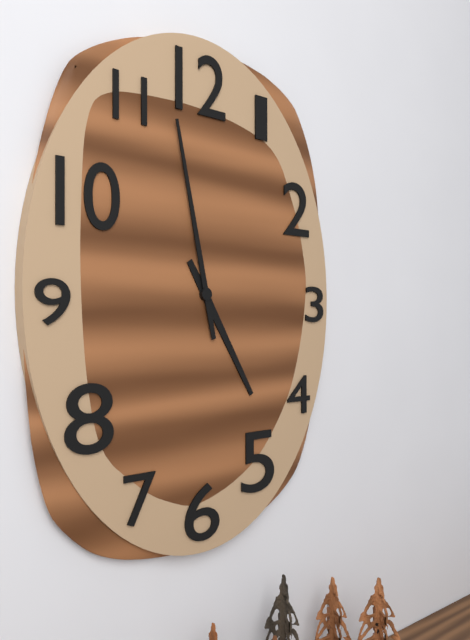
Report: 4.58
